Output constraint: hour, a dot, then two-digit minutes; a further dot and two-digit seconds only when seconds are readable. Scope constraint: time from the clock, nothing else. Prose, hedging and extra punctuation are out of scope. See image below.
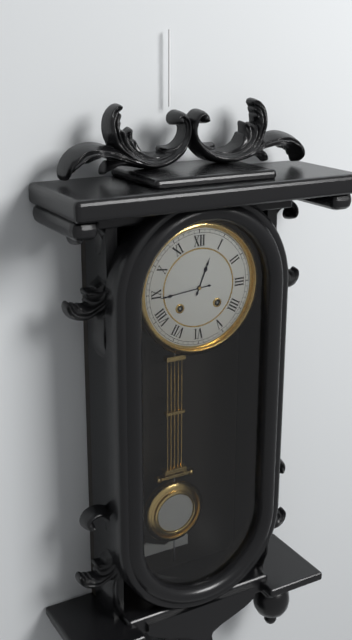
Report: 12.44
